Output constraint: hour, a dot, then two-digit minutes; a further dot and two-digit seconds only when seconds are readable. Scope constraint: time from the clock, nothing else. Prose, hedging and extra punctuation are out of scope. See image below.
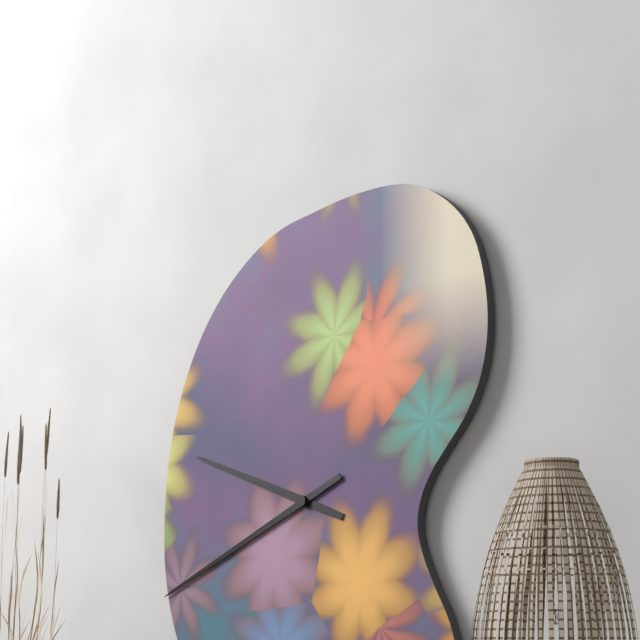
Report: 9.41
